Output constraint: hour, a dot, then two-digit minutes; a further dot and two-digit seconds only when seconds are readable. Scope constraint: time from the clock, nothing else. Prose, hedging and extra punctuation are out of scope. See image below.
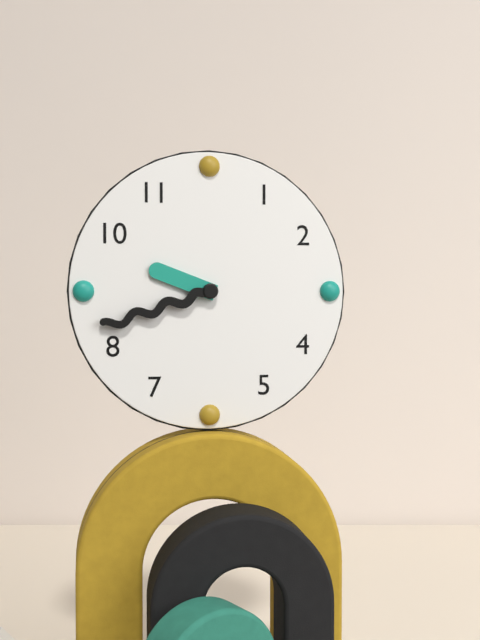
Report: 9.42
